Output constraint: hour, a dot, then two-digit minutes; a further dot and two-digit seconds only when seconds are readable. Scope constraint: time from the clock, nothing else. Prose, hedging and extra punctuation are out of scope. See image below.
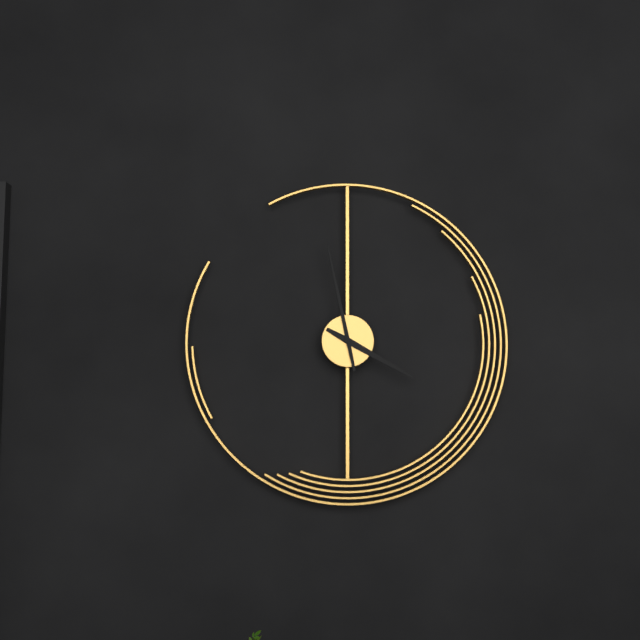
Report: 3.58
